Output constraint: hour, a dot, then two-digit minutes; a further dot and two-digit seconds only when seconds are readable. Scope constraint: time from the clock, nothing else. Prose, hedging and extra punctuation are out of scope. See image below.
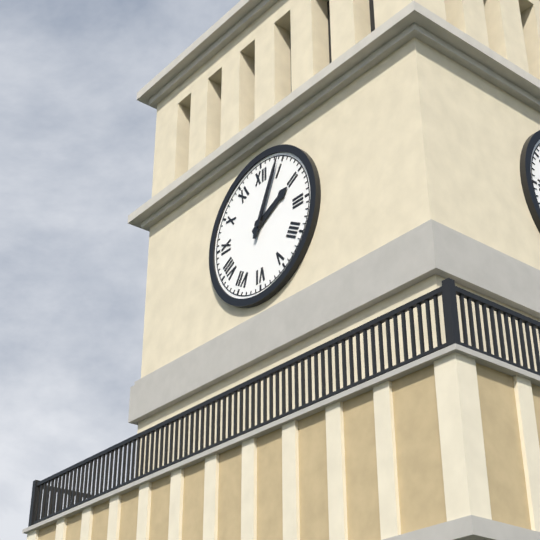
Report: 2.04
